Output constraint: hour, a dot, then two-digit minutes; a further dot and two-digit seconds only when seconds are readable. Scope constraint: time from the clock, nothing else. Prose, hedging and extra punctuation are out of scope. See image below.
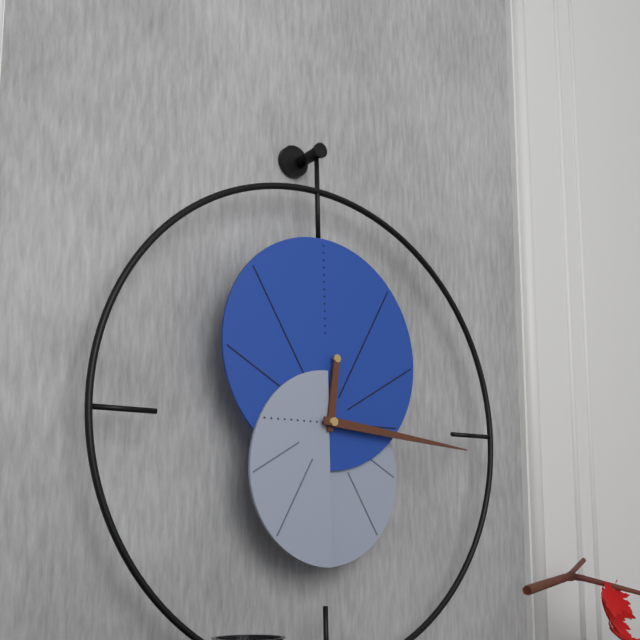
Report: 12.16
